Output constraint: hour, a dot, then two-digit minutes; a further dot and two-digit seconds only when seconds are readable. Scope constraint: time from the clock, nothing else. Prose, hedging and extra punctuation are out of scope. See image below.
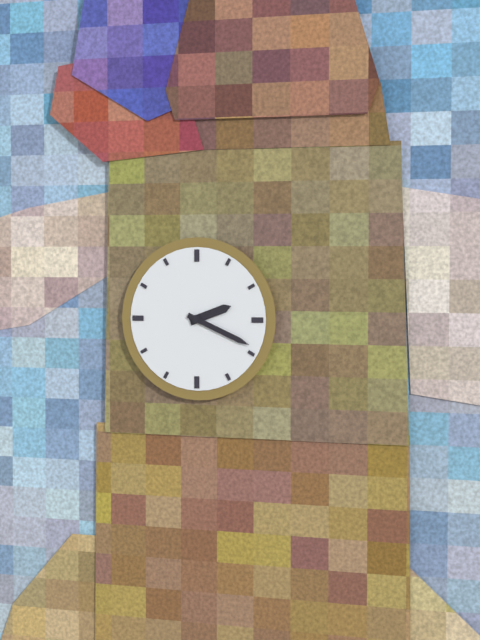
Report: 2.19
